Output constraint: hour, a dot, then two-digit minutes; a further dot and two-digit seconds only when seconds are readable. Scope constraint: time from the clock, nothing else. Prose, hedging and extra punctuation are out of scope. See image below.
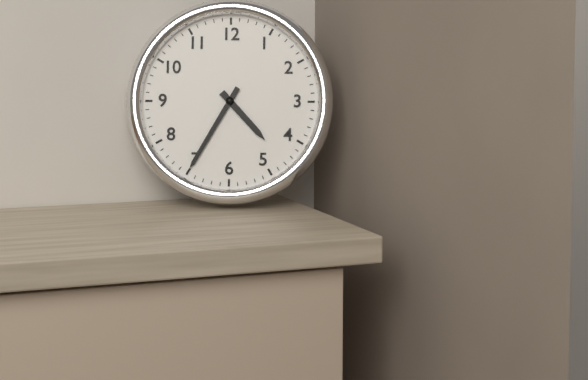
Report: 4.35
